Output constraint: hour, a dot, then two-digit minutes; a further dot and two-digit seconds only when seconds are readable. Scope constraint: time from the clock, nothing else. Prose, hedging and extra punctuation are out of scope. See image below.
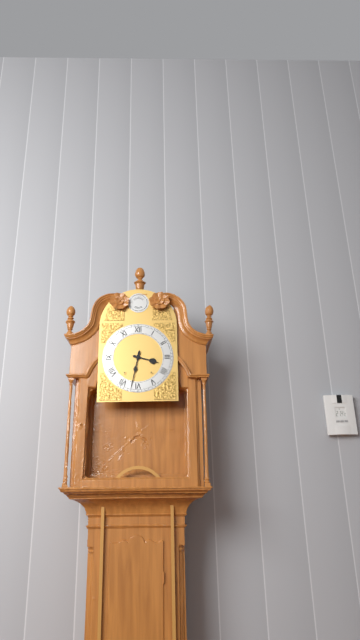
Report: 3.32
